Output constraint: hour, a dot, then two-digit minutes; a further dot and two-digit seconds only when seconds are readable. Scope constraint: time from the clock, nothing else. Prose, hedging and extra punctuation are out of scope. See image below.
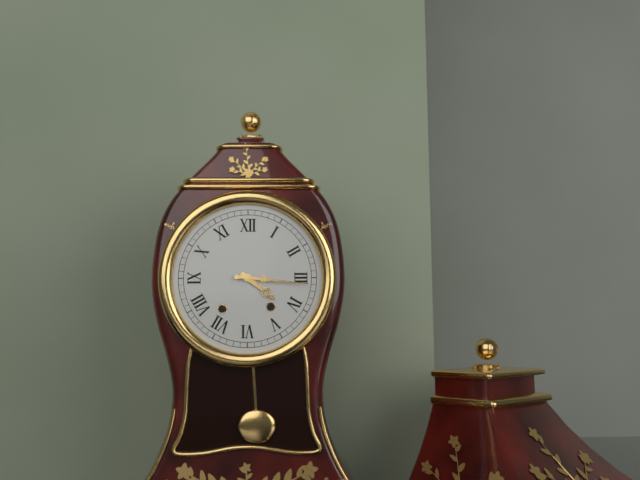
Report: 4.16
